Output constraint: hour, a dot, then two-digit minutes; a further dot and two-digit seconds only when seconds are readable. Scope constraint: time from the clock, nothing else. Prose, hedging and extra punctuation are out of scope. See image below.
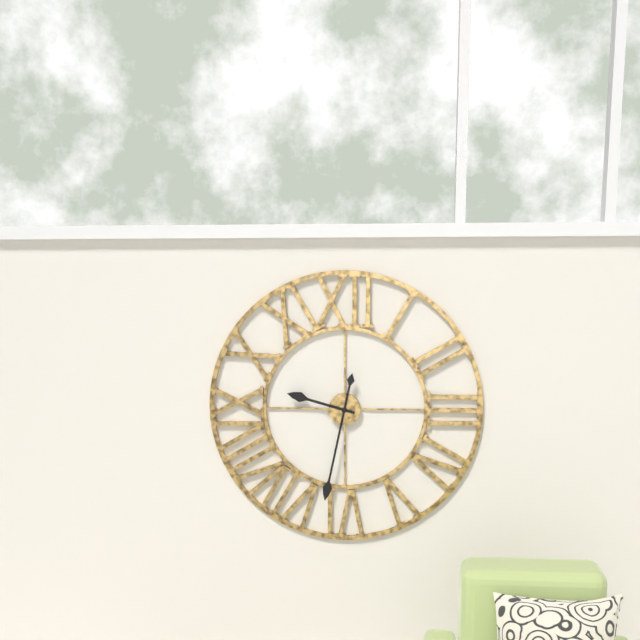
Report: 9.32
